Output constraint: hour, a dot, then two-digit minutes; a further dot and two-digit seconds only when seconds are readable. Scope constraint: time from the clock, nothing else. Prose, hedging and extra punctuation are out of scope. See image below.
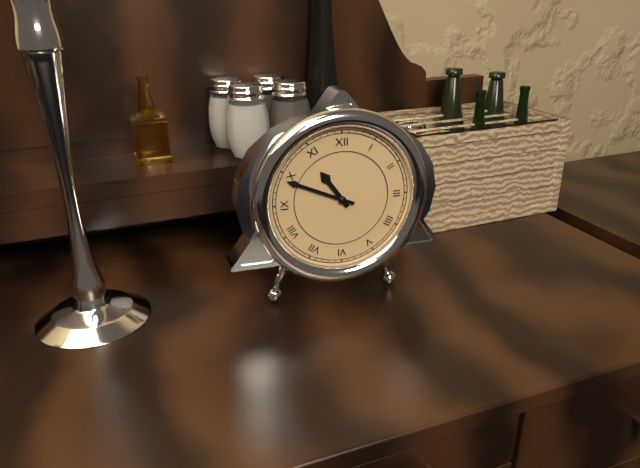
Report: 10.49
